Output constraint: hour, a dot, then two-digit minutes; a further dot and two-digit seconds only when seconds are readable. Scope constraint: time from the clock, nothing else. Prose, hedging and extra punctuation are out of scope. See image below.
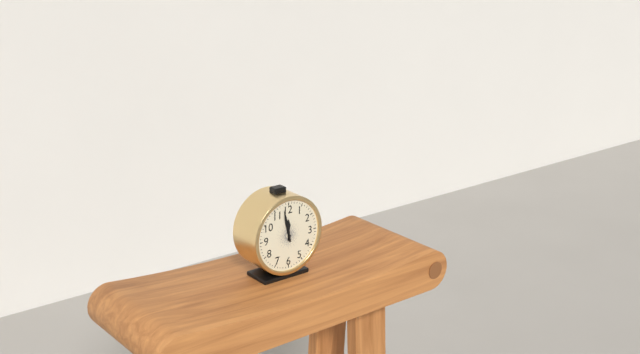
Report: 11.58
